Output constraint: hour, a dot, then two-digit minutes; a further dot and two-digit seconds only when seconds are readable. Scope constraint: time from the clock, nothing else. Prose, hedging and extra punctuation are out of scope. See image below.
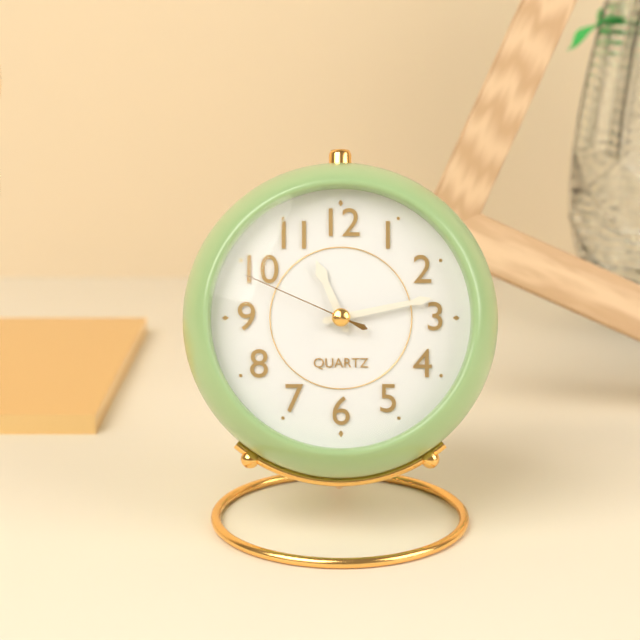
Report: 11.13.49
